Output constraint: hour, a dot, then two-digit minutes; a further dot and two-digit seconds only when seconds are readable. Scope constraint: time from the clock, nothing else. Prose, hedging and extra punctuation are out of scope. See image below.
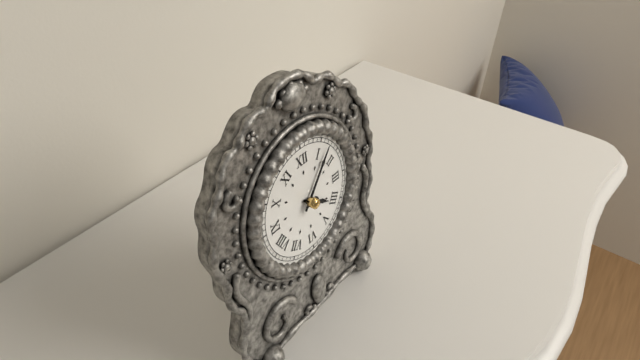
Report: 4.07
